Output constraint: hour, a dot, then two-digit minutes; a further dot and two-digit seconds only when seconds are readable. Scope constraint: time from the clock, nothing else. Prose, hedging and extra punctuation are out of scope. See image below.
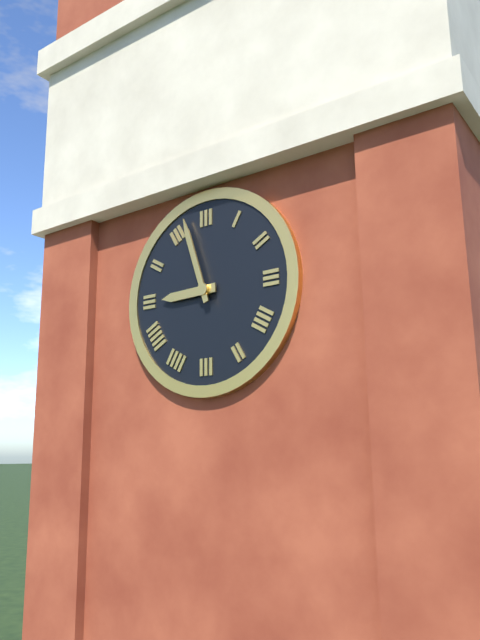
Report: 8.57
